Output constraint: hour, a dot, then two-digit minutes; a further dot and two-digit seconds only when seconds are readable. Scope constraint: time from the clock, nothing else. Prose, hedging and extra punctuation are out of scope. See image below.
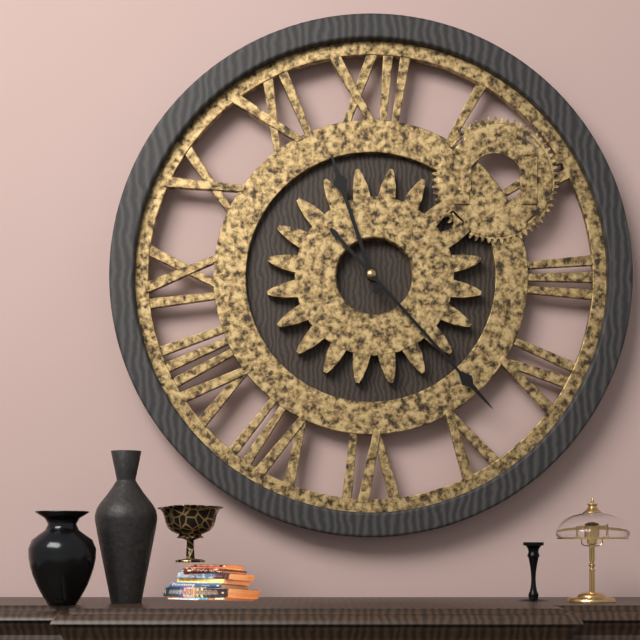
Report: 11.23
